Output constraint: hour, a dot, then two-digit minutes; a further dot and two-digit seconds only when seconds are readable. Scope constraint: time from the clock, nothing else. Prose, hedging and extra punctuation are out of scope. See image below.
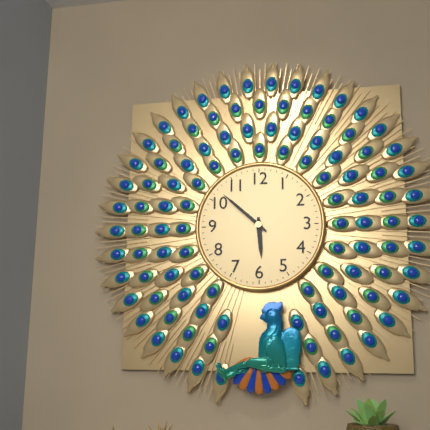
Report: 5.52
